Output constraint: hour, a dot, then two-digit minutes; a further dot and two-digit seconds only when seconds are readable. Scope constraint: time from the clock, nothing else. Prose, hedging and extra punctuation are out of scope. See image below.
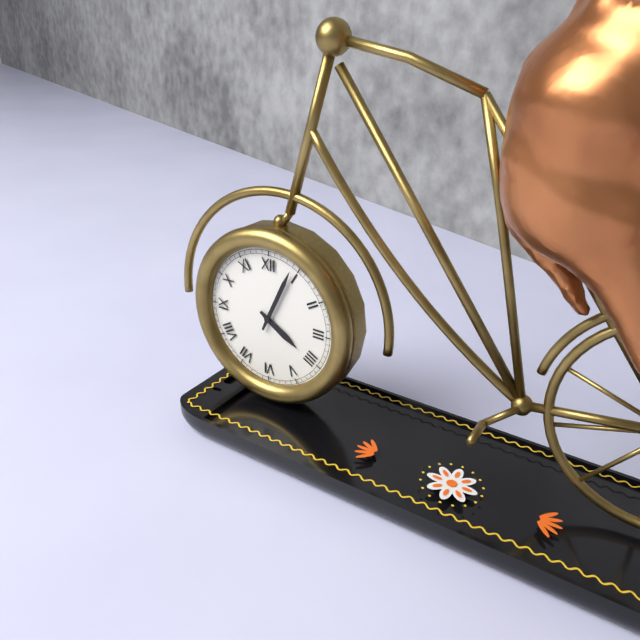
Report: 4.04
